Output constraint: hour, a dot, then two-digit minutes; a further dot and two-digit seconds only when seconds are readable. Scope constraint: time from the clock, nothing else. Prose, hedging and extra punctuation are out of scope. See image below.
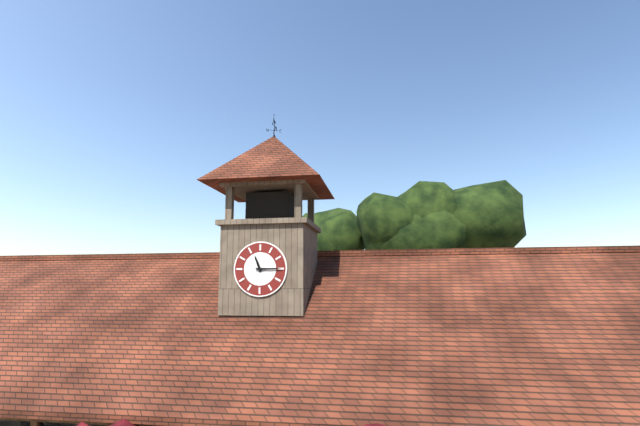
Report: 11.15
